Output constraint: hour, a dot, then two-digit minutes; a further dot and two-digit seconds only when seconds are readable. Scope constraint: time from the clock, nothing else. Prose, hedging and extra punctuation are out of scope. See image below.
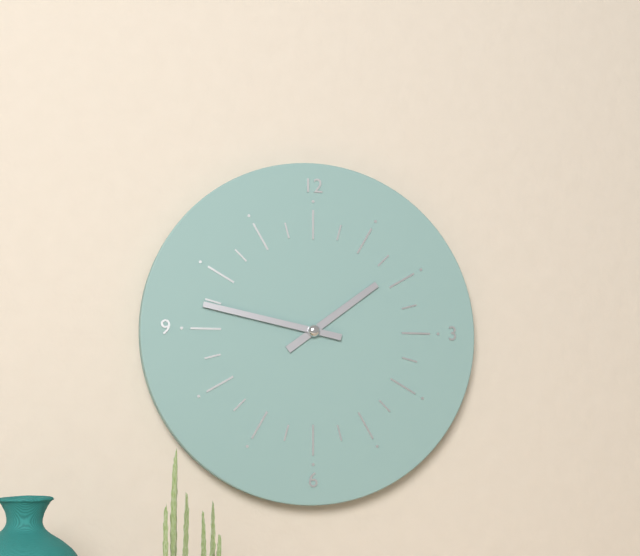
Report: 1.47
